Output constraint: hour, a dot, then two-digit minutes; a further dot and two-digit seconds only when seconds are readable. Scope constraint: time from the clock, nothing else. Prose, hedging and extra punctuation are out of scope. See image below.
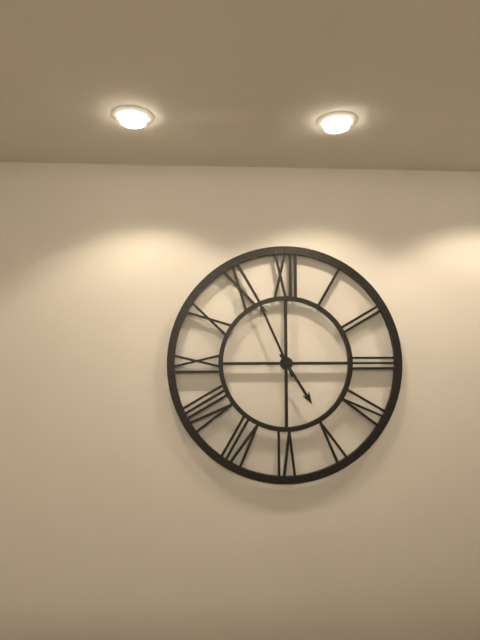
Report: 4.56
